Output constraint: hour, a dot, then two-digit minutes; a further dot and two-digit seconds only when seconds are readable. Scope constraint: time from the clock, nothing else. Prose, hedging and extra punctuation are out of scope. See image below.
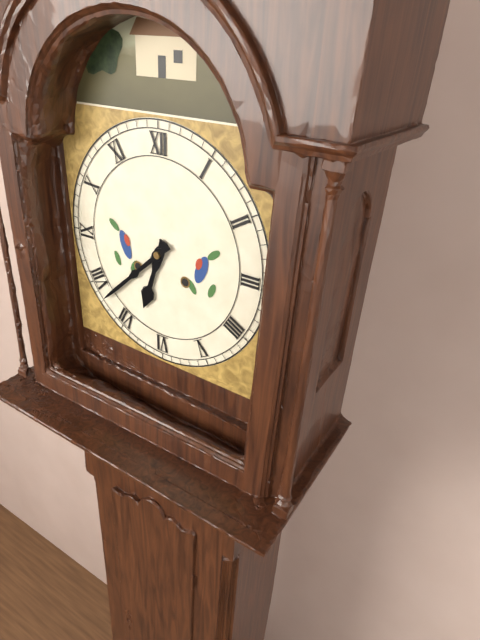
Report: 6.38
